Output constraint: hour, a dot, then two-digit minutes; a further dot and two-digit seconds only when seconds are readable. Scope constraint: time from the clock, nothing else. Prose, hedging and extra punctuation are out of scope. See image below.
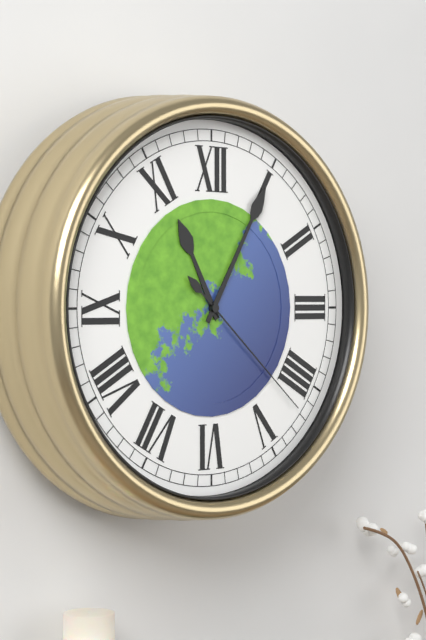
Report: 11.05.22
